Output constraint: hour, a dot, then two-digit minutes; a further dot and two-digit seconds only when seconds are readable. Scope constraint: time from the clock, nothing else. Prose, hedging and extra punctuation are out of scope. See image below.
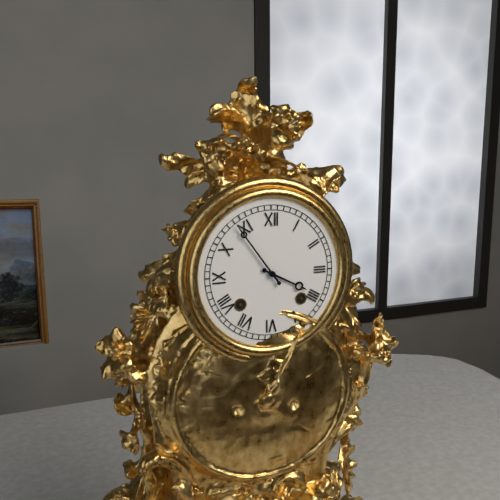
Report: 3.54
